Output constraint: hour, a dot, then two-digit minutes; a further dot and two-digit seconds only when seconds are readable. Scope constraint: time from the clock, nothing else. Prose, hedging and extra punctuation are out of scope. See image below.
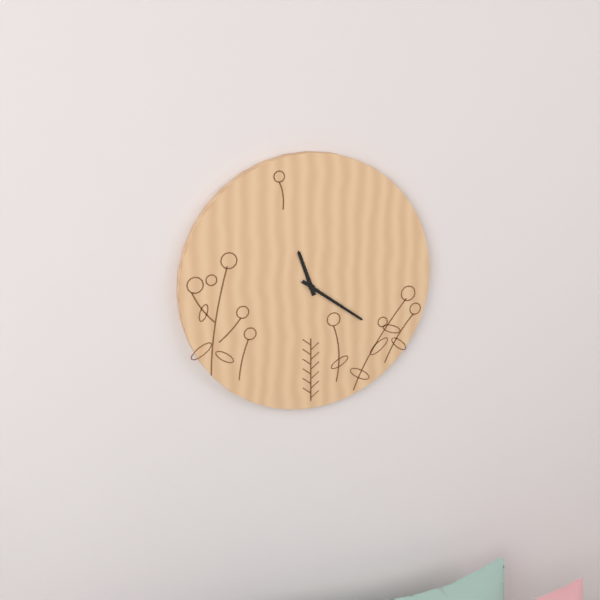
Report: 11.21
